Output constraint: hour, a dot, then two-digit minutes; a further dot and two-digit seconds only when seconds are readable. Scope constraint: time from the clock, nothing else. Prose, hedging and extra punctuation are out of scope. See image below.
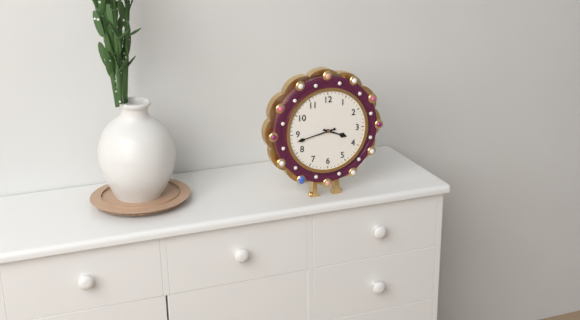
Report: 3.43
